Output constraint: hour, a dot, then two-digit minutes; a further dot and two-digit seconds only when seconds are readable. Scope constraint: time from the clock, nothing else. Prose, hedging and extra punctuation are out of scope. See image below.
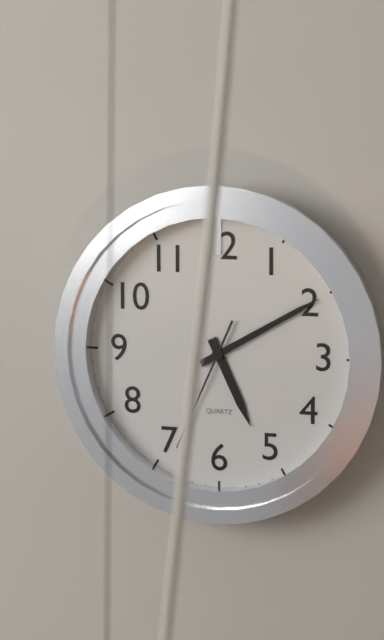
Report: 5.10
